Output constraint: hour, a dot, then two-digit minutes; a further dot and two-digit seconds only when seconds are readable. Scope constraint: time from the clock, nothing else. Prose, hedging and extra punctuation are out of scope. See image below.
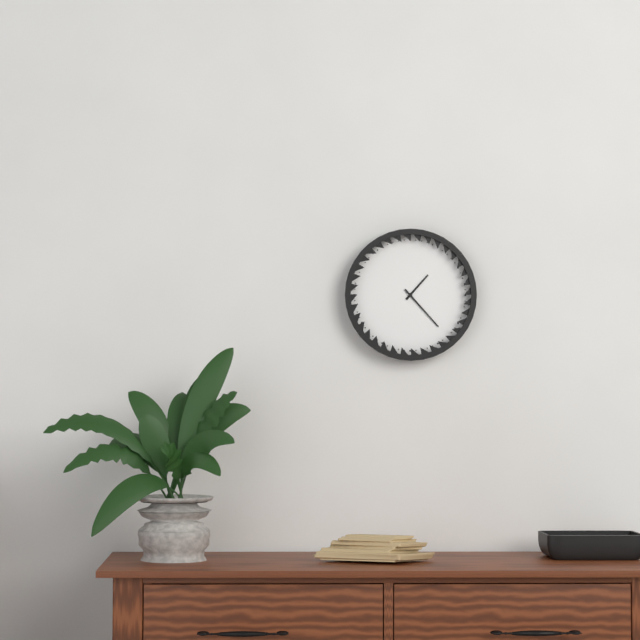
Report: 1.23
